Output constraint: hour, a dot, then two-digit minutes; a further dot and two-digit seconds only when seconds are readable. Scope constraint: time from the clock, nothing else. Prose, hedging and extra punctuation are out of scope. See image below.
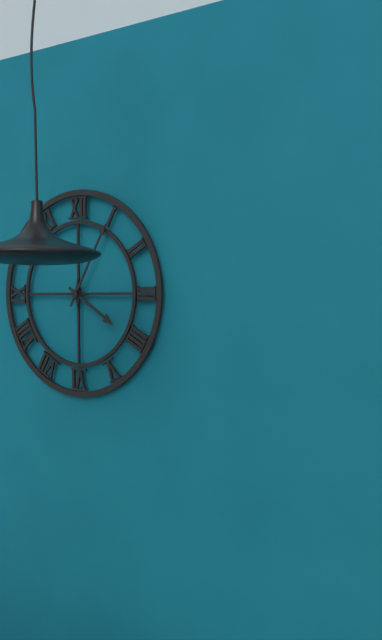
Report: 4.05
